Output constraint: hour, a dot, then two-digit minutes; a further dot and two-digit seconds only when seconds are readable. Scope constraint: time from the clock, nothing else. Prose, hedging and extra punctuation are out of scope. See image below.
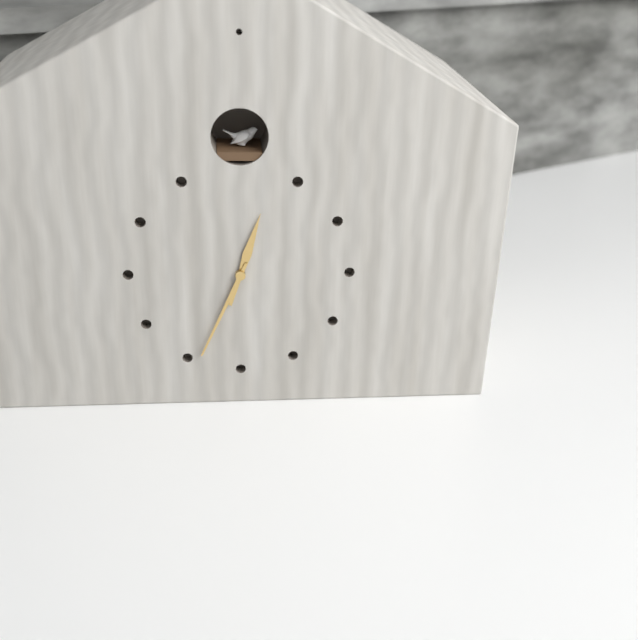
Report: 12.34
